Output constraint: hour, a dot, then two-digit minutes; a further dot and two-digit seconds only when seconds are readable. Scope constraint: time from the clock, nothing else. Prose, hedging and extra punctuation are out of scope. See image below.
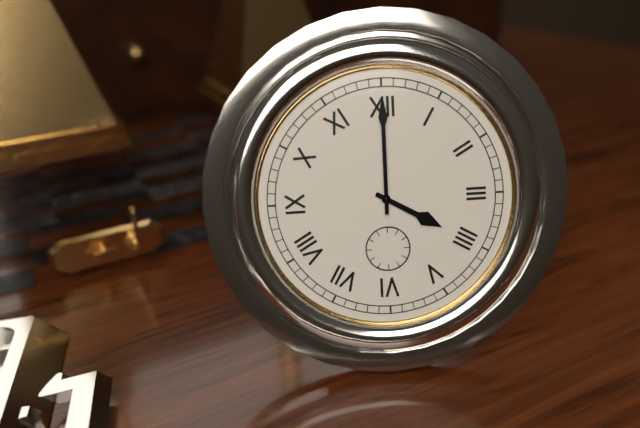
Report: 4.00
